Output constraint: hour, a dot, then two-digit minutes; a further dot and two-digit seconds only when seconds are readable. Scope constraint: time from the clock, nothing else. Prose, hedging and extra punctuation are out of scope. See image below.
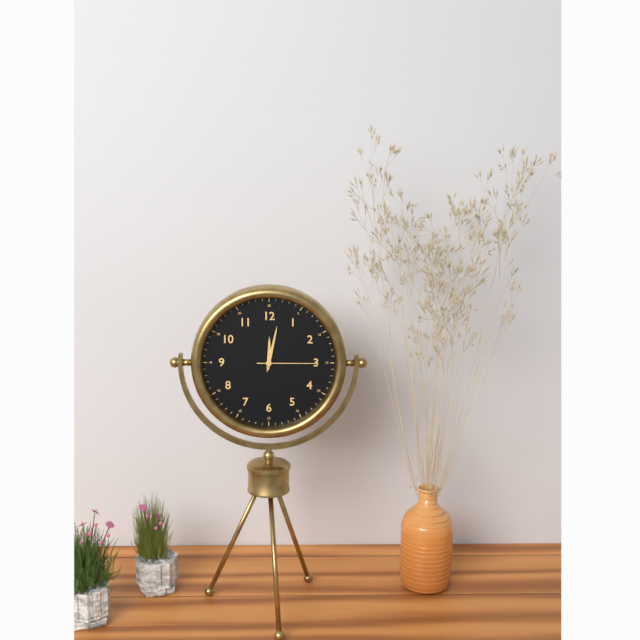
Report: 12.02.15
